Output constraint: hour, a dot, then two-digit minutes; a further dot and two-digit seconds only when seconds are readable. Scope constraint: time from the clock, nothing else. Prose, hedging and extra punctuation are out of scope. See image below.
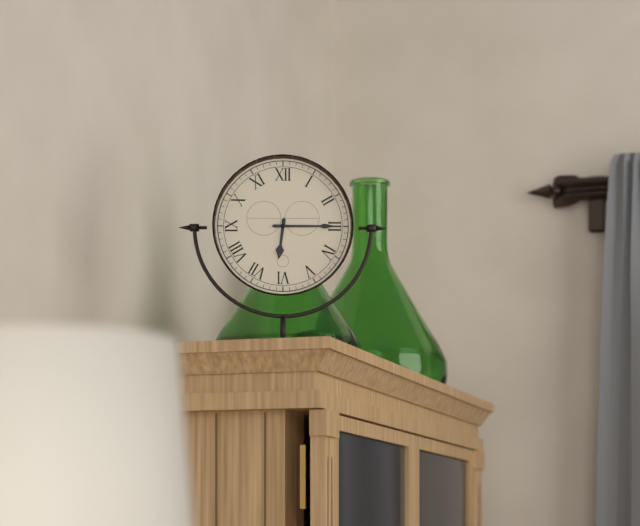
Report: 6.15
